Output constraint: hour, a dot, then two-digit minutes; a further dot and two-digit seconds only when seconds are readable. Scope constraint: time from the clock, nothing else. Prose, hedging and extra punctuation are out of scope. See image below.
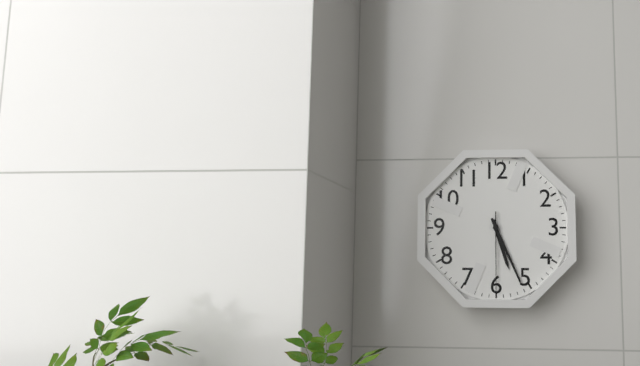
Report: 5.26.30
